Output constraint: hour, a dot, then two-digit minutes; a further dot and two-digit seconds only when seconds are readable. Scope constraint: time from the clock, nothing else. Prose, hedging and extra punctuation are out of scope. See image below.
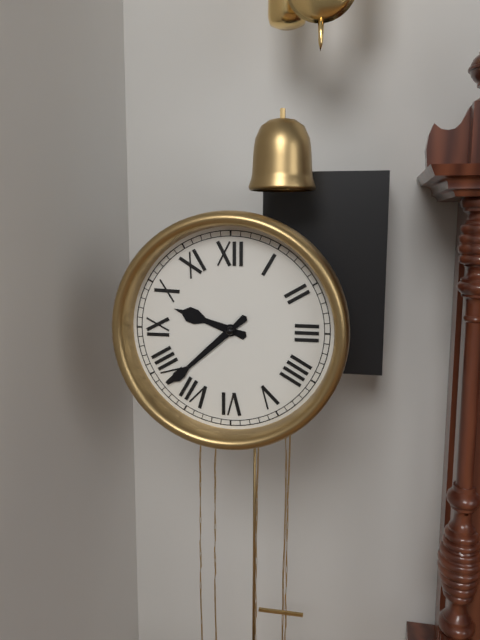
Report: 9.38
